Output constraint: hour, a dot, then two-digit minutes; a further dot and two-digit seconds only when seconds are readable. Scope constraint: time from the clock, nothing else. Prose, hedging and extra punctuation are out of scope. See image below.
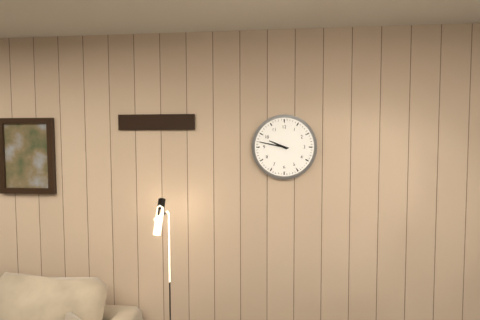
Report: 9.47
